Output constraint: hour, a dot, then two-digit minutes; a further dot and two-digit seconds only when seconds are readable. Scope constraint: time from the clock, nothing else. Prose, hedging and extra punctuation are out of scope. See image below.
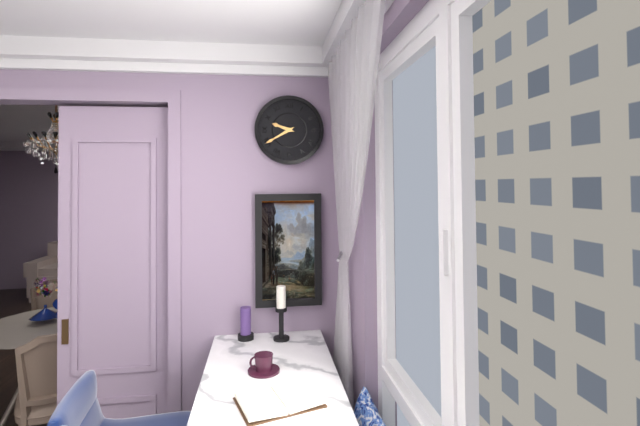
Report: 9.40
